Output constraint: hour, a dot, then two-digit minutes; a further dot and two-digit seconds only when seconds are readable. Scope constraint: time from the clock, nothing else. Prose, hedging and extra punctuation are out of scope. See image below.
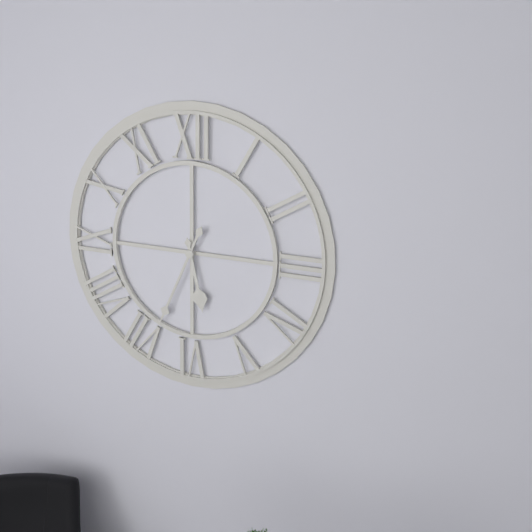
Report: 5.34
